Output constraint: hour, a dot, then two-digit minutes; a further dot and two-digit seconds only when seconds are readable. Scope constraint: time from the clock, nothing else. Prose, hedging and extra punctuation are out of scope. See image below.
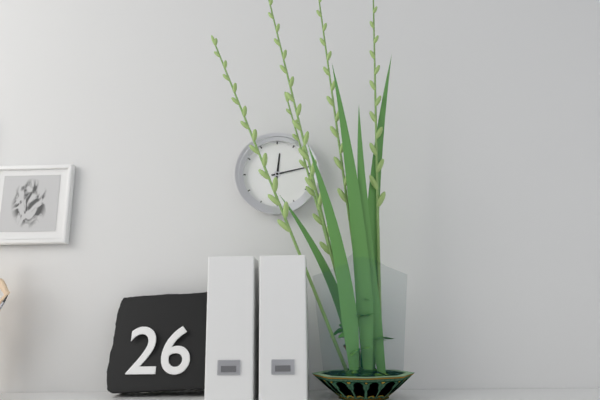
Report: 12.13
